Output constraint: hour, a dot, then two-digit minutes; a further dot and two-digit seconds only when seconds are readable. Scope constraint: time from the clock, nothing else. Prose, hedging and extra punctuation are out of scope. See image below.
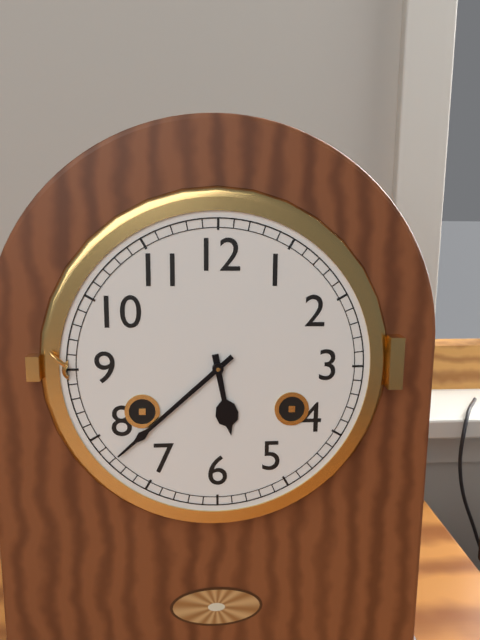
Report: 5.38
